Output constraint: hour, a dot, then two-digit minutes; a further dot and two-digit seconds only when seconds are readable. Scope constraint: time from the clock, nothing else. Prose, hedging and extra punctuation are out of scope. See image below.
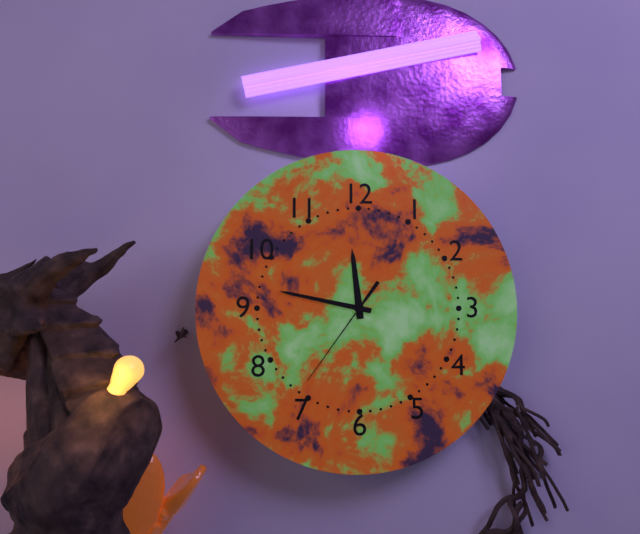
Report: 11.47.36
